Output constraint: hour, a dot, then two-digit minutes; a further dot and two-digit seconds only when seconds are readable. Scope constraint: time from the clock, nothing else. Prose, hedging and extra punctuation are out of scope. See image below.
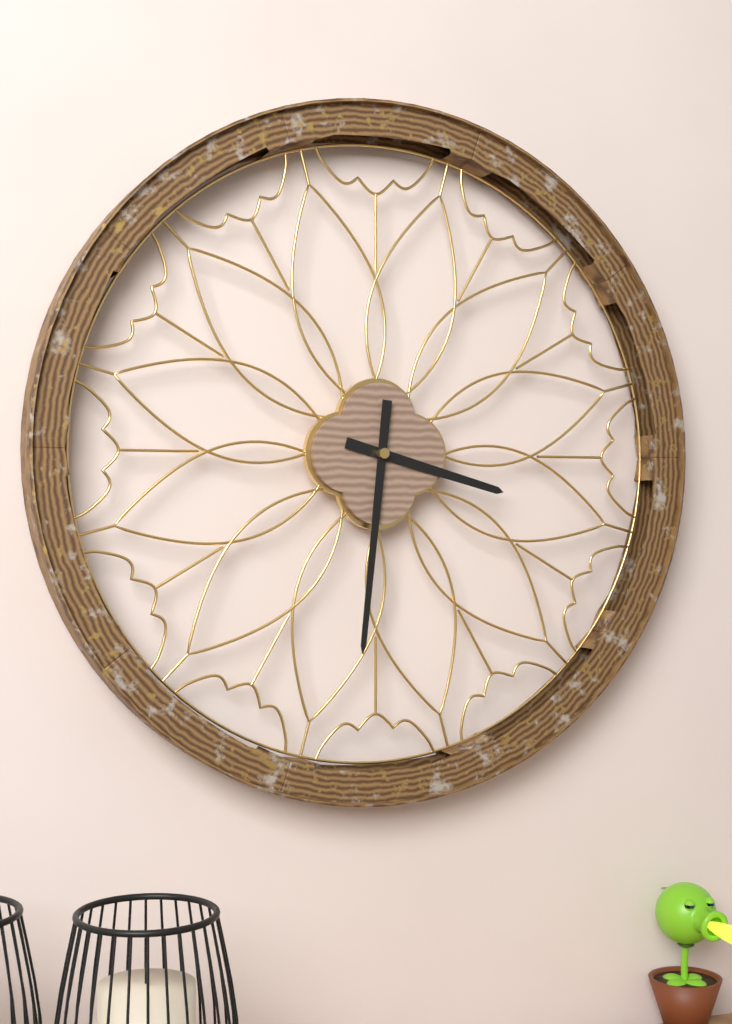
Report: 3.31
